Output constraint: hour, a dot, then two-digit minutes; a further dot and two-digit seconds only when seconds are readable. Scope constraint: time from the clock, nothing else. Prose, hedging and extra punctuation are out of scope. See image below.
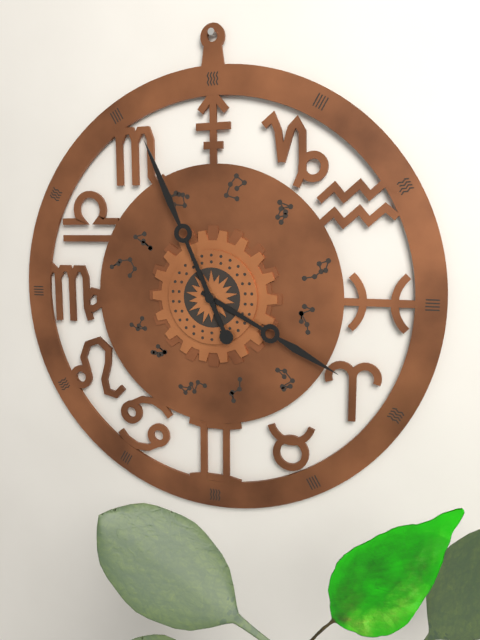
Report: 3.56
